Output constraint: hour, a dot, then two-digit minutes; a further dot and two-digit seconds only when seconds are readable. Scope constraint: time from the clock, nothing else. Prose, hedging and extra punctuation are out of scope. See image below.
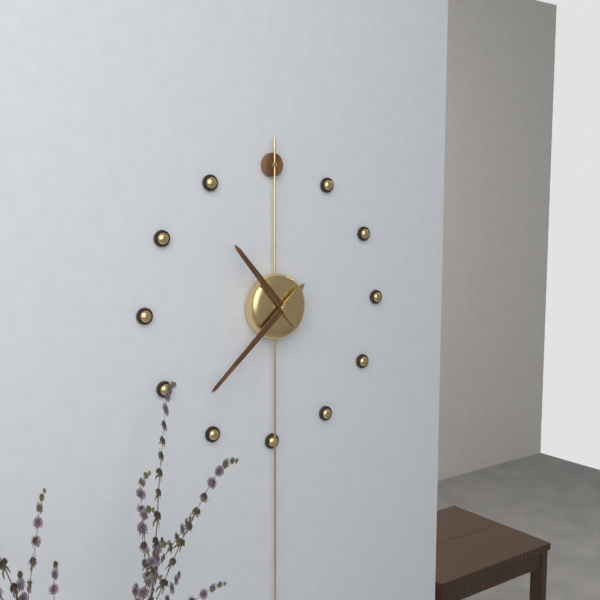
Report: 10.38
